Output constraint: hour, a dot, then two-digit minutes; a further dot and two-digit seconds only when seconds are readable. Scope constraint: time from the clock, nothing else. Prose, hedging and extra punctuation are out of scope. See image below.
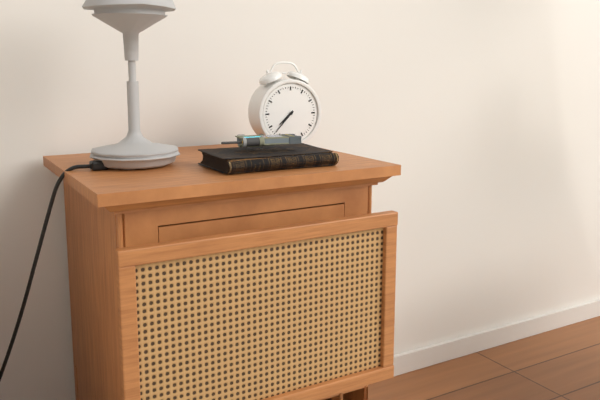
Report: 7.37
